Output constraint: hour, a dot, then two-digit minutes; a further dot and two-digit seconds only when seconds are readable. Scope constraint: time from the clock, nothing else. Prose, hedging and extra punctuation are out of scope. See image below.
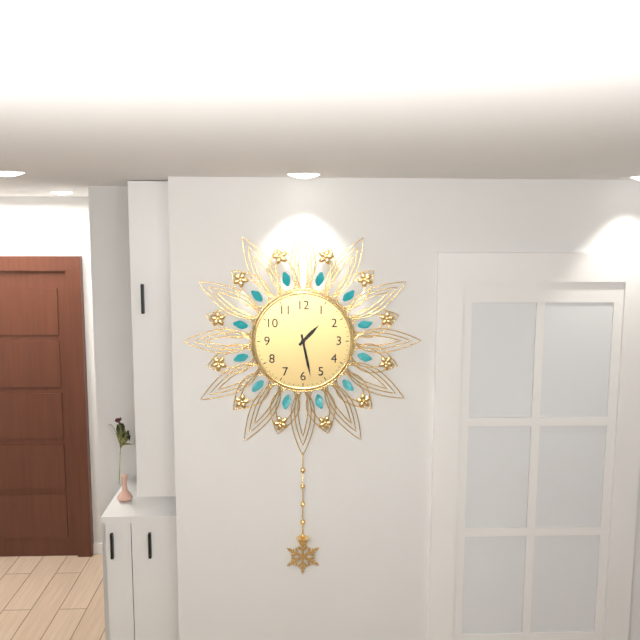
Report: 1.28
